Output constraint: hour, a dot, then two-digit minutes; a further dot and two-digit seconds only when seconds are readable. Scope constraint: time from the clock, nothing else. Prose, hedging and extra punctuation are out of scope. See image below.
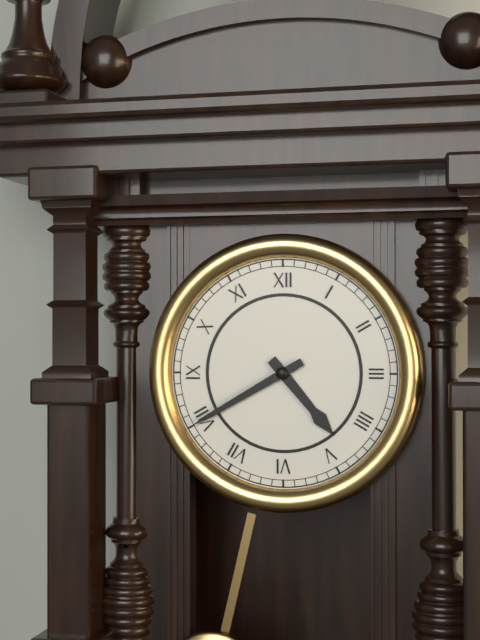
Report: 4.40
